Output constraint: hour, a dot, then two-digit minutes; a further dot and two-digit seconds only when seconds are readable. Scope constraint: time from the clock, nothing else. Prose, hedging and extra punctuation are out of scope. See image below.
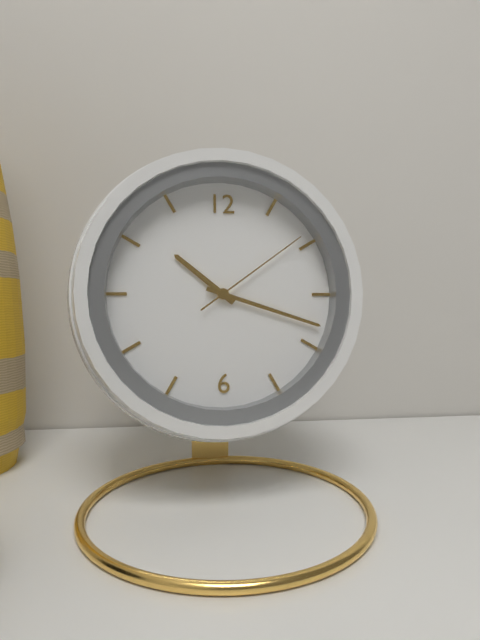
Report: 10.18.09
